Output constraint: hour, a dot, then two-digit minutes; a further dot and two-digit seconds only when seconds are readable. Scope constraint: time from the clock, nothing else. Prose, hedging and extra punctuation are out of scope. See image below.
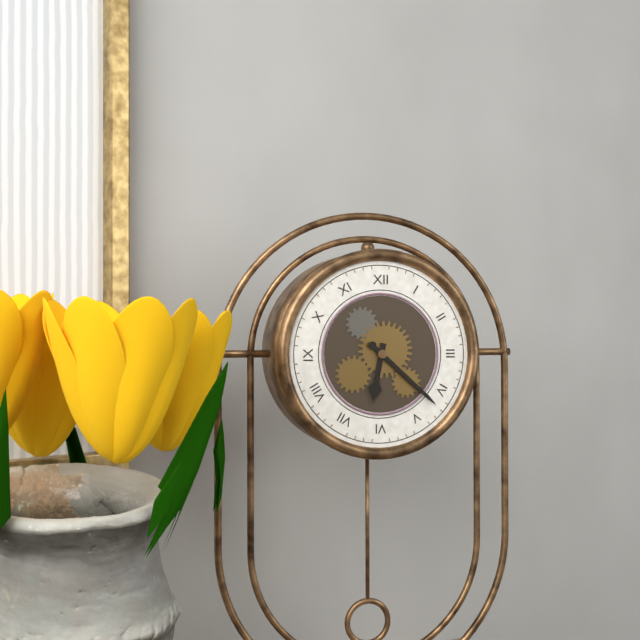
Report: 6.22
